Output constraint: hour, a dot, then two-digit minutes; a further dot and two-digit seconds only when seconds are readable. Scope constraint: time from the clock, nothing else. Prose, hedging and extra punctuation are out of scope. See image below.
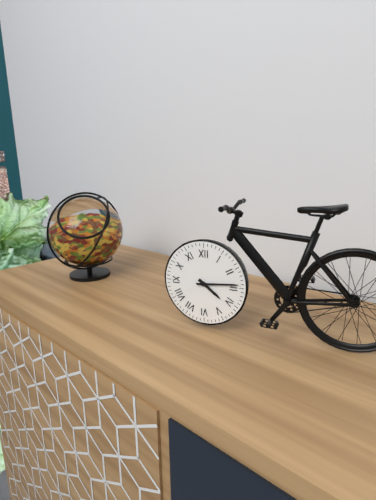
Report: 4.14
